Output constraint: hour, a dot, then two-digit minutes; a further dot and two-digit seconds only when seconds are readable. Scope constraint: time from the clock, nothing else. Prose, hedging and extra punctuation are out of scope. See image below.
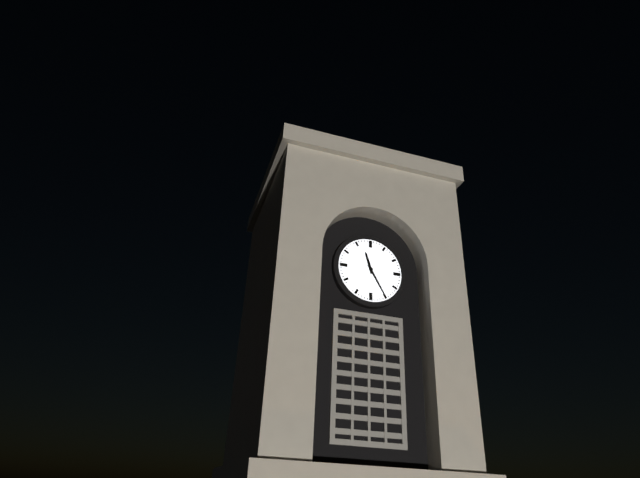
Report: 11.25
